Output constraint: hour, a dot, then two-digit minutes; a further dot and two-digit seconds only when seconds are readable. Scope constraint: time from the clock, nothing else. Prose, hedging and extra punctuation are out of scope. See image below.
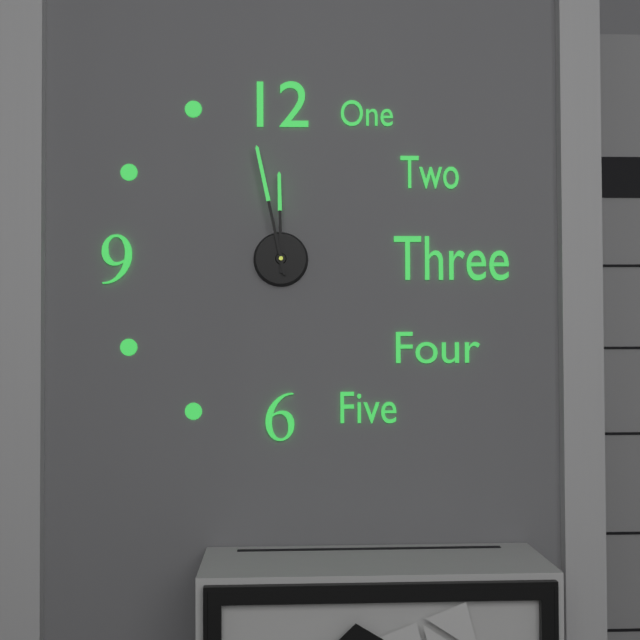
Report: 11.58
